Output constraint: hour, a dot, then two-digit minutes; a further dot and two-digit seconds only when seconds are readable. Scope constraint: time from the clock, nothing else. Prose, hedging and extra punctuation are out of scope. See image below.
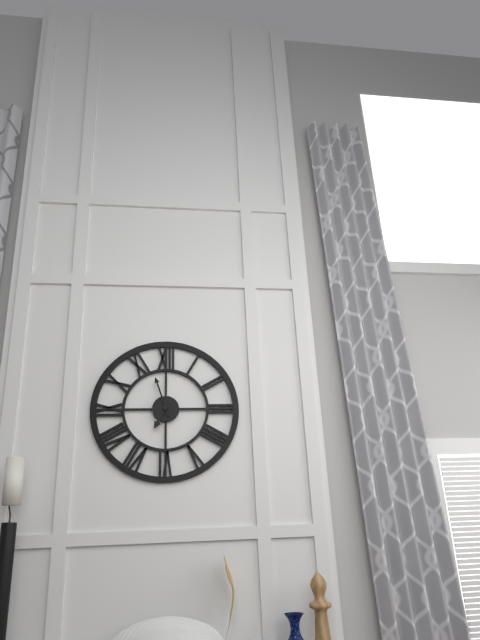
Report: 6.57
